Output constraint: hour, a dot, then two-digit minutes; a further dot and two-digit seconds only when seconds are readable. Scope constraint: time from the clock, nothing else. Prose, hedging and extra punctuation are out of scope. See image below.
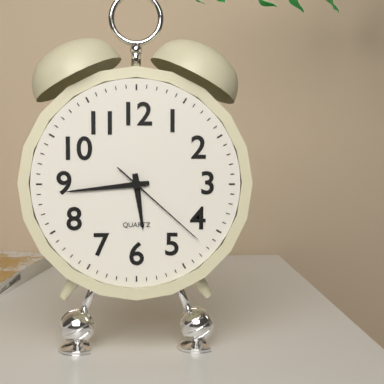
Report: 5.44.22
